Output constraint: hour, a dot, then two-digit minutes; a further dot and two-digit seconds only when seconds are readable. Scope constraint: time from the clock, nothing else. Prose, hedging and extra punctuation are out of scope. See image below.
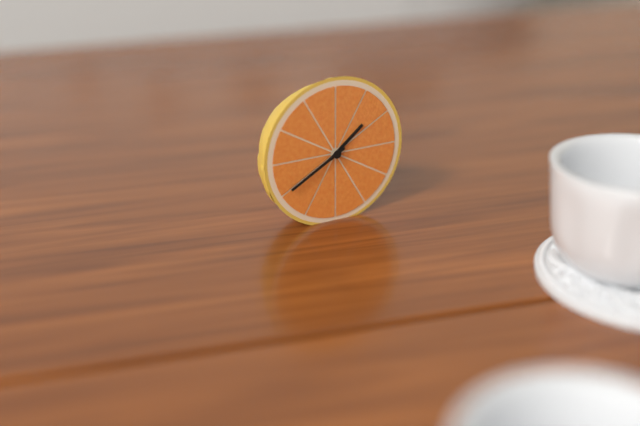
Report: 1.40
